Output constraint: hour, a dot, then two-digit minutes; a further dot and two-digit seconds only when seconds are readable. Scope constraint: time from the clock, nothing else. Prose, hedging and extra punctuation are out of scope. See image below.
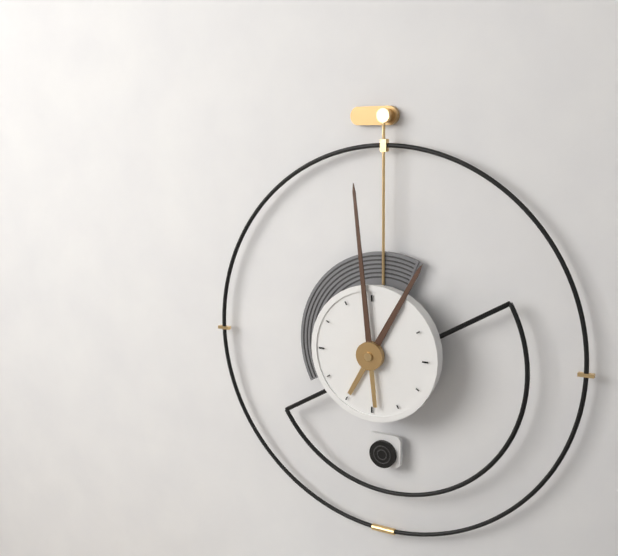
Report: 12.59
